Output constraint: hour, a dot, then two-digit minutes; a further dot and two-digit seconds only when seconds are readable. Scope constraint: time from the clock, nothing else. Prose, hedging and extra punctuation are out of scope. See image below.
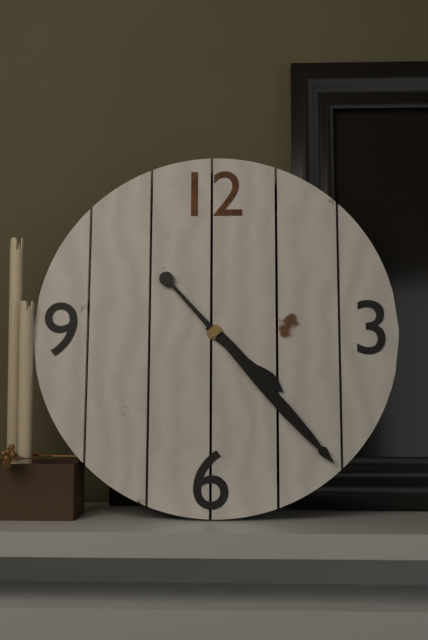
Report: 4.23
